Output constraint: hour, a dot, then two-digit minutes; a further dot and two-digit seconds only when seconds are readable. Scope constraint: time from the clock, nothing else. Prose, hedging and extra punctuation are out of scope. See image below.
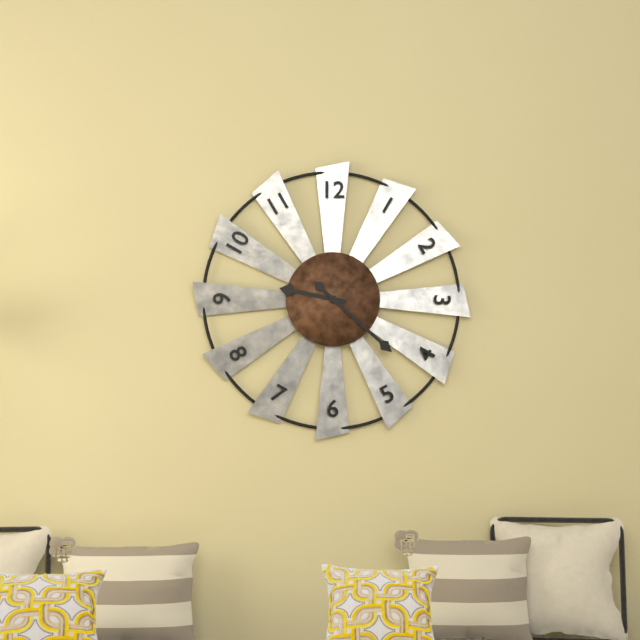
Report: 9.22
